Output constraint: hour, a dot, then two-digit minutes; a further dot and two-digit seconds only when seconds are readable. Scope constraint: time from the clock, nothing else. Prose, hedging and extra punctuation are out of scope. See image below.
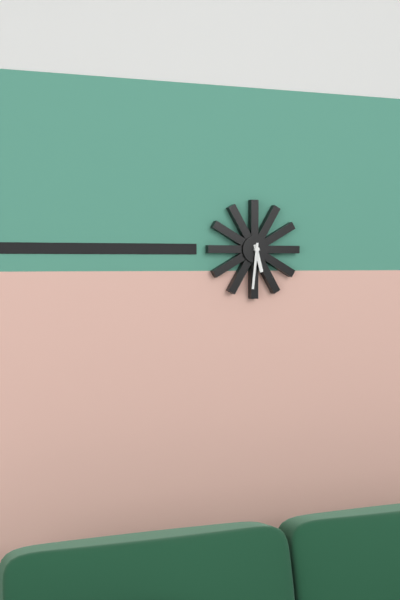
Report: 5.31
